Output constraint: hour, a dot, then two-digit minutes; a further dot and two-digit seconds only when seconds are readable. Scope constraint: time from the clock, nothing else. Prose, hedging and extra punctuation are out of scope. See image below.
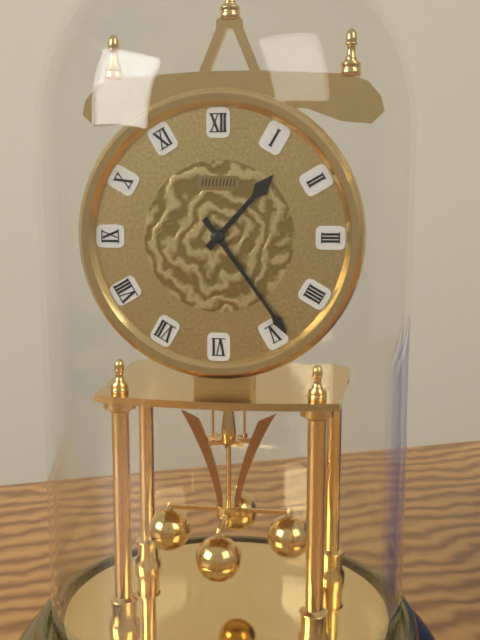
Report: 1.24
